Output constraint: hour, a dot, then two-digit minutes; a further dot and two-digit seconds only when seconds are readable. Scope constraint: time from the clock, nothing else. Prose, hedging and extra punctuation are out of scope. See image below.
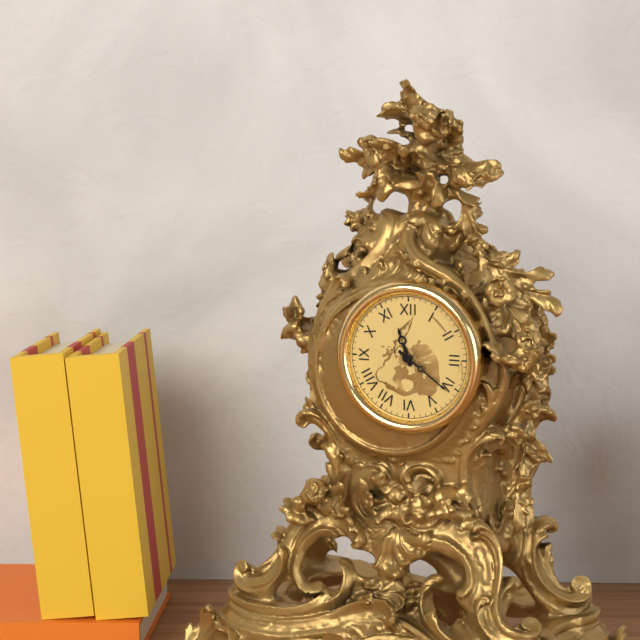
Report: 11.21
